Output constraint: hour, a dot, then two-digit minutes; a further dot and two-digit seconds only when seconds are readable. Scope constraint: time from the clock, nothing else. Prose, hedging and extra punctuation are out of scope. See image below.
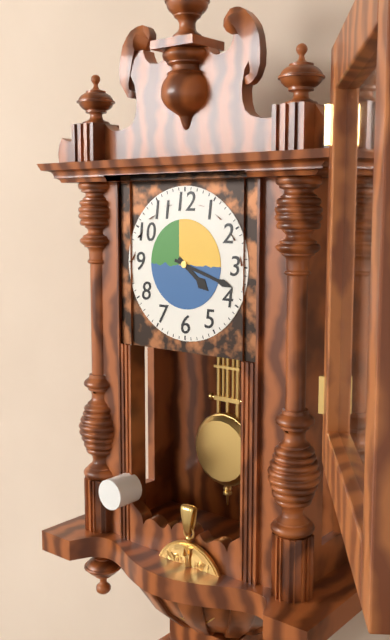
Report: 4.18
